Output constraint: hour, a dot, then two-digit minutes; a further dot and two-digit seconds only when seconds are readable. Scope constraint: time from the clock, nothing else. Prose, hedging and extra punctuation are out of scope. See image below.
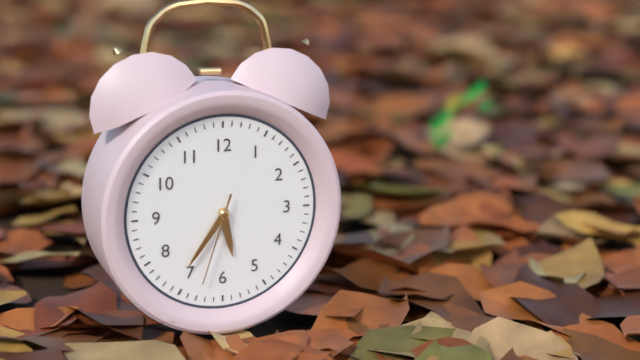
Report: 5.36.33
